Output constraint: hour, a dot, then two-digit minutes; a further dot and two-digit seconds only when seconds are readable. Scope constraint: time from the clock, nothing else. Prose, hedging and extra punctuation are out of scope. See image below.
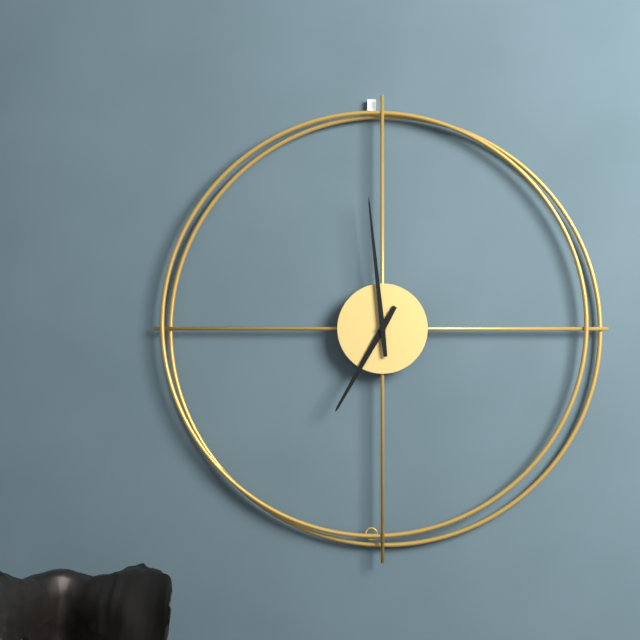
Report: 6.59
